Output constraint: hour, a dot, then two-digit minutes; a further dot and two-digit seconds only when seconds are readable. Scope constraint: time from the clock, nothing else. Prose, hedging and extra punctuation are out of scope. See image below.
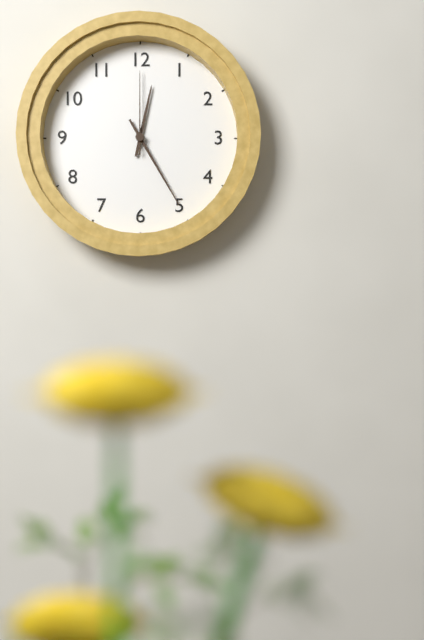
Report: 12.25.00
